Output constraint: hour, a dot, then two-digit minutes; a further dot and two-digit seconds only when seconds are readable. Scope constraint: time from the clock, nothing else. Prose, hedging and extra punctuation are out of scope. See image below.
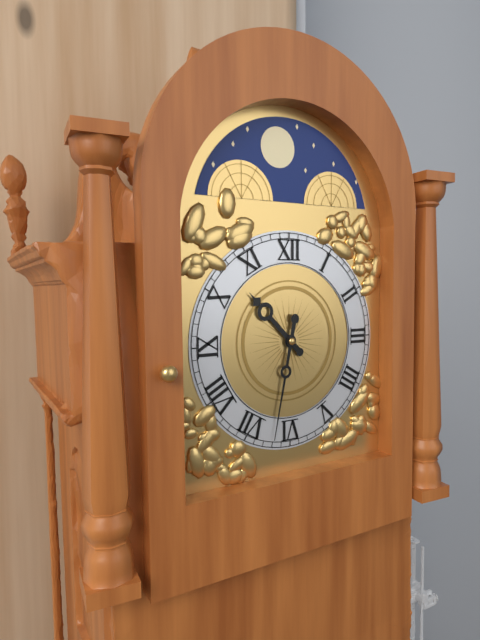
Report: 10.32
